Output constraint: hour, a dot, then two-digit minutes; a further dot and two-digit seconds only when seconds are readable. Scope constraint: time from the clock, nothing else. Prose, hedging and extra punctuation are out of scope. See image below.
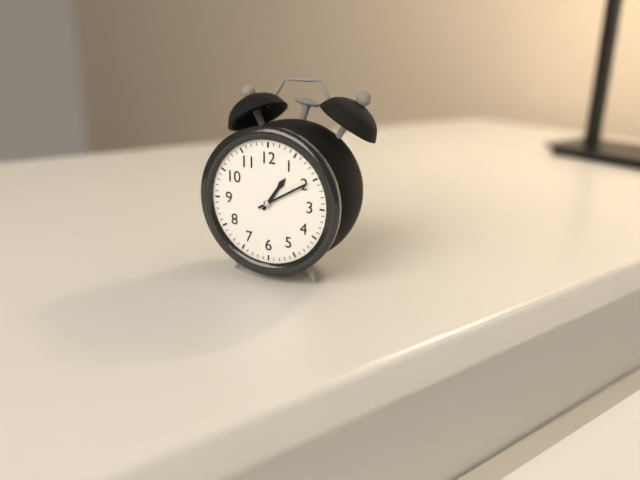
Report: 1.10
